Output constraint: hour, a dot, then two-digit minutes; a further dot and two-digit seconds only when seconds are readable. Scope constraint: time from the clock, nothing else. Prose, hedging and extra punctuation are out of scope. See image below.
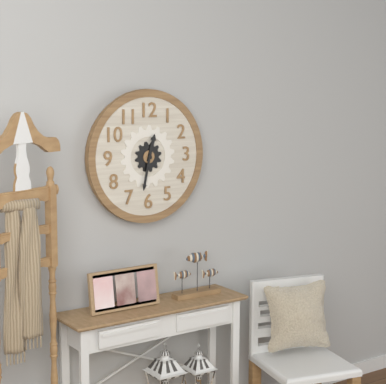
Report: 12.32
